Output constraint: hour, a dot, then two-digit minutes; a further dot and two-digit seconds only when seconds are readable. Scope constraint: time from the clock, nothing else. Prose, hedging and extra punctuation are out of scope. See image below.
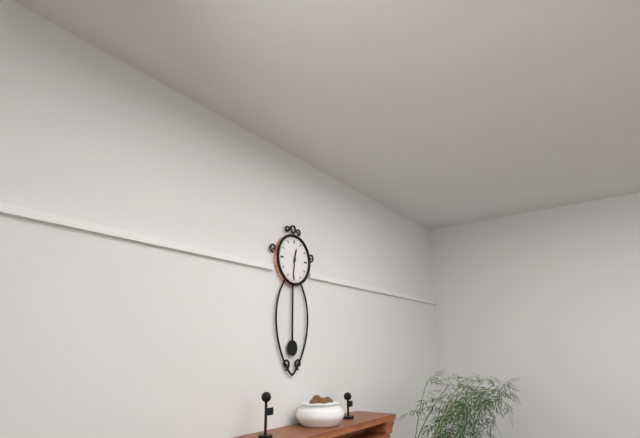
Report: 12.31
